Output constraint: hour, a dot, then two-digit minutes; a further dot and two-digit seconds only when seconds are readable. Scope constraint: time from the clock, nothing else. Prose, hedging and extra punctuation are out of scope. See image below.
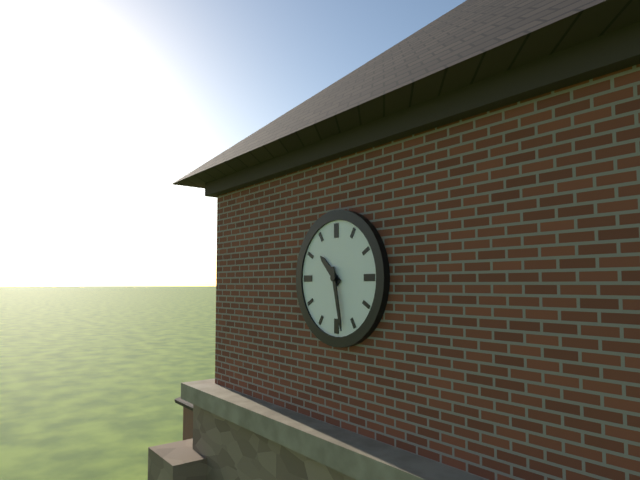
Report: 10.28
